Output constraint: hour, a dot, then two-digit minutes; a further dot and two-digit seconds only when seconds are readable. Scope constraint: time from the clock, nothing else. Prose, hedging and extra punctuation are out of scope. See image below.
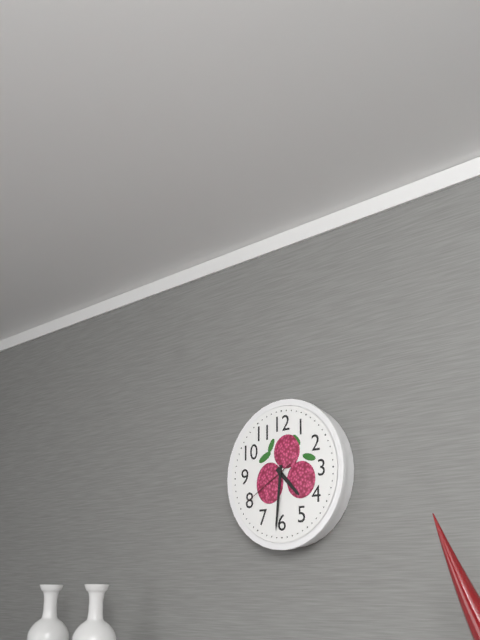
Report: 4.31.40
